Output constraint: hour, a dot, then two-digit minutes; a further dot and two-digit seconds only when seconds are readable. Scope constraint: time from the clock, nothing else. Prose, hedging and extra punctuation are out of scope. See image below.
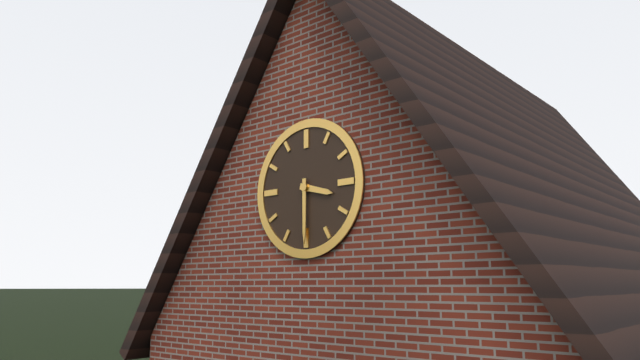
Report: 3.30
